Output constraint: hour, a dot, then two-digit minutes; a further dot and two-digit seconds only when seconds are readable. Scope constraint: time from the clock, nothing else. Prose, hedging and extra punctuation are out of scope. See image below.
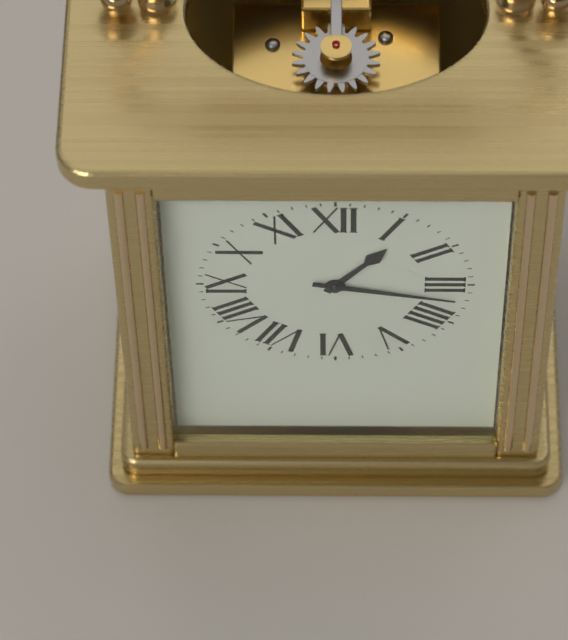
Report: 1.17
